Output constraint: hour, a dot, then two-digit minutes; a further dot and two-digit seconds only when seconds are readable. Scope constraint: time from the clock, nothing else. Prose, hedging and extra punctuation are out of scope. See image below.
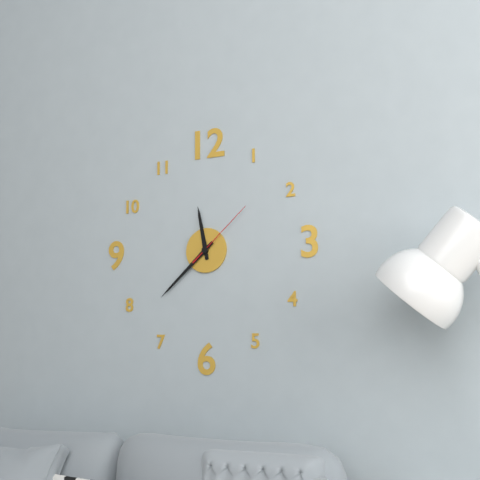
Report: 11.38.08
